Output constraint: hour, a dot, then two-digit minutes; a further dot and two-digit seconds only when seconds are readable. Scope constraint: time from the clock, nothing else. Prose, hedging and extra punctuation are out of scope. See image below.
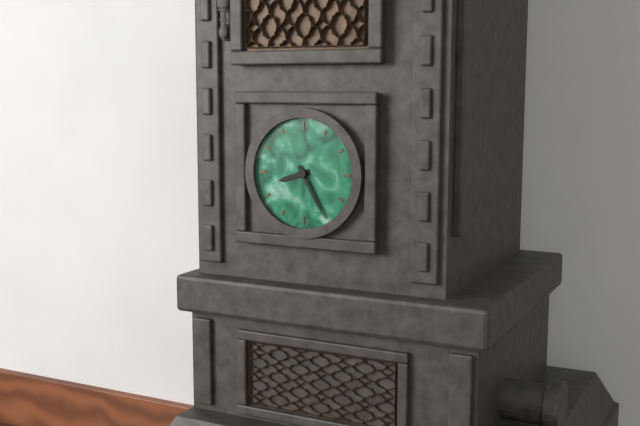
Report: 8.25
